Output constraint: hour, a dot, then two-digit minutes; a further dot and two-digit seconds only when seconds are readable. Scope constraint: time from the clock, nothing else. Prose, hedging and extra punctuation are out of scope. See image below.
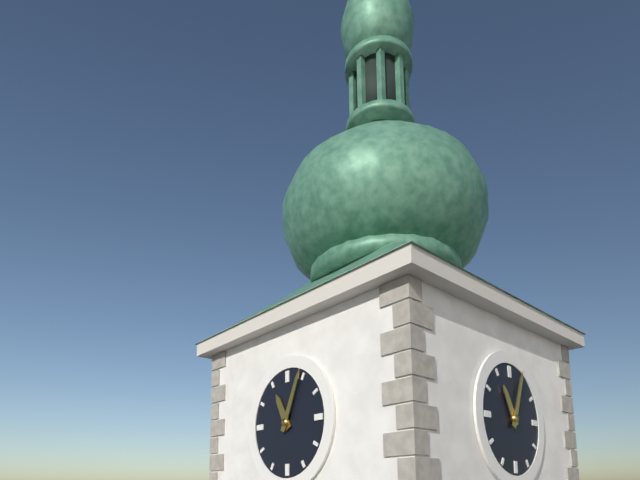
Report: 11.04
